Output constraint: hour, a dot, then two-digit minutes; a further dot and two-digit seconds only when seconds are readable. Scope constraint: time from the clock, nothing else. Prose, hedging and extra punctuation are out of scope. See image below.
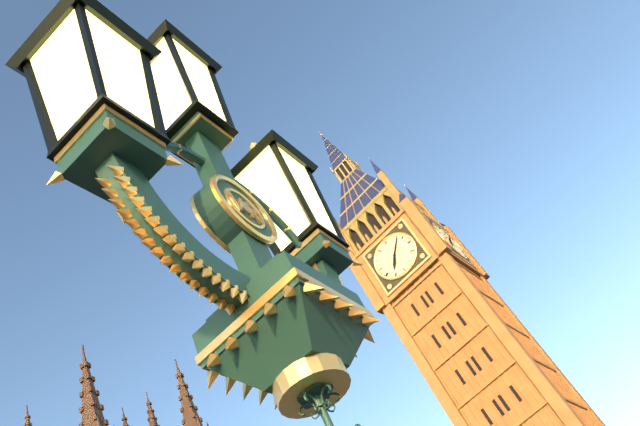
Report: 7.07
